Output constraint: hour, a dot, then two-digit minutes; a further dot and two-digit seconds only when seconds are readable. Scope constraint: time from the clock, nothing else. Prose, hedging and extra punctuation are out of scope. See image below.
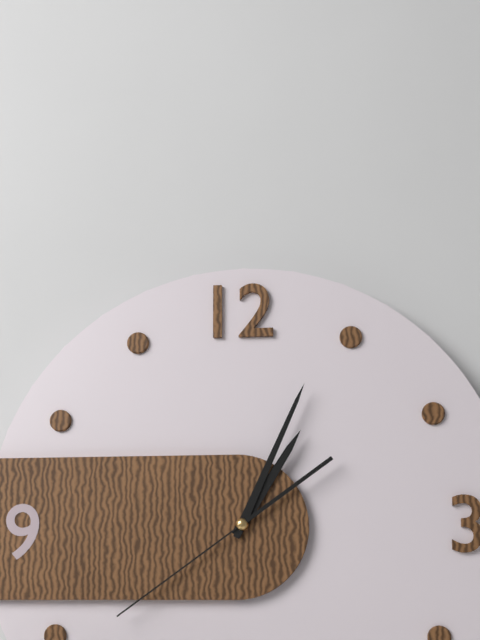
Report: 1.04.39
